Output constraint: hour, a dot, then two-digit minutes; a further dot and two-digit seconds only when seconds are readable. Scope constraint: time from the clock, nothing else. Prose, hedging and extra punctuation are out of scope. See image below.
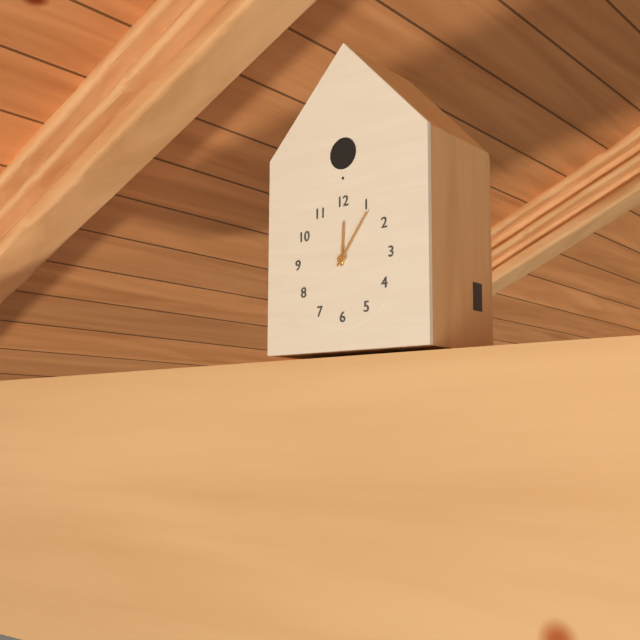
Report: 12.06
